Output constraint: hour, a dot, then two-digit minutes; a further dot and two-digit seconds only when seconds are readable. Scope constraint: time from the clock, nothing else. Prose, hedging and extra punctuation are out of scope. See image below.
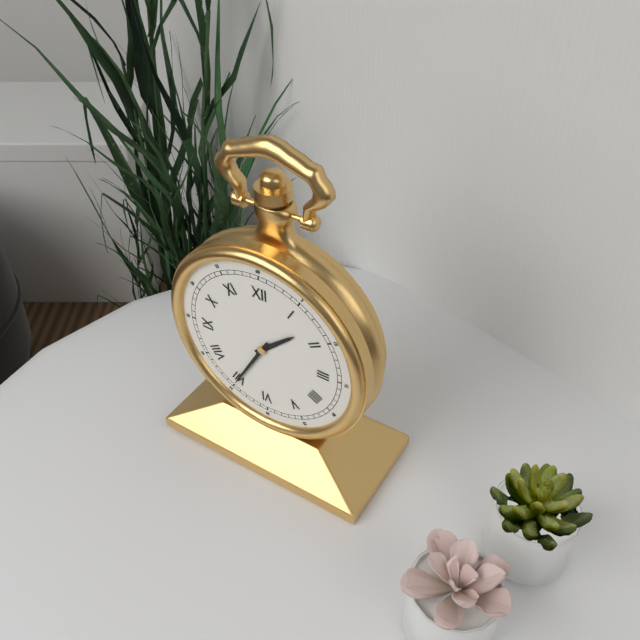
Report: 1.35
